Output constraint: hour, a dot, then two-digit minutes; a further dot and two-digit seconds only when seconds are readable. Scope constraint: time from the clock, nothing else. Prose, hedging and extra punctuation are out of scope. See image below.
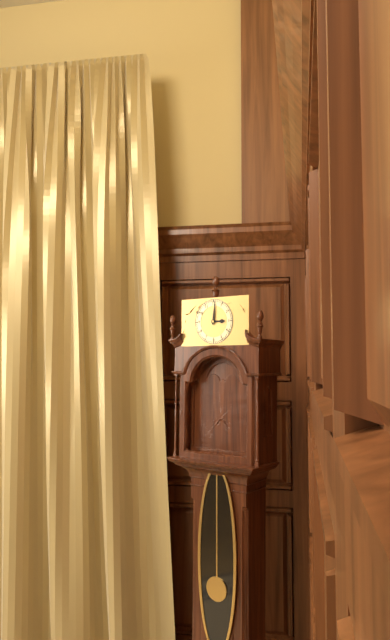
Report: 3.01
